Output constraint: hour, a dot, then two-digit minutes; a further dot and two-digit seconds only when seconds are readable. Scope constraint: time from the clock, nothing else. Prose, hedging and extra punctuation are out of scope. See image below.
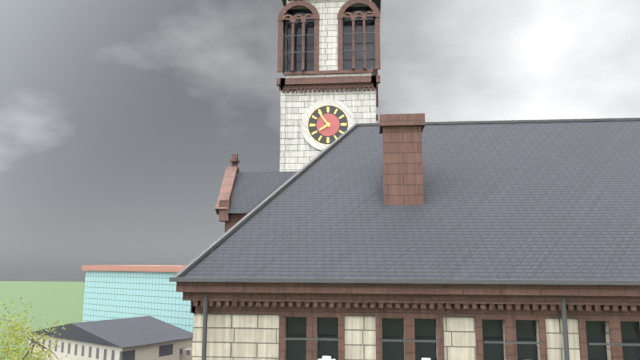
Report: 7.54
